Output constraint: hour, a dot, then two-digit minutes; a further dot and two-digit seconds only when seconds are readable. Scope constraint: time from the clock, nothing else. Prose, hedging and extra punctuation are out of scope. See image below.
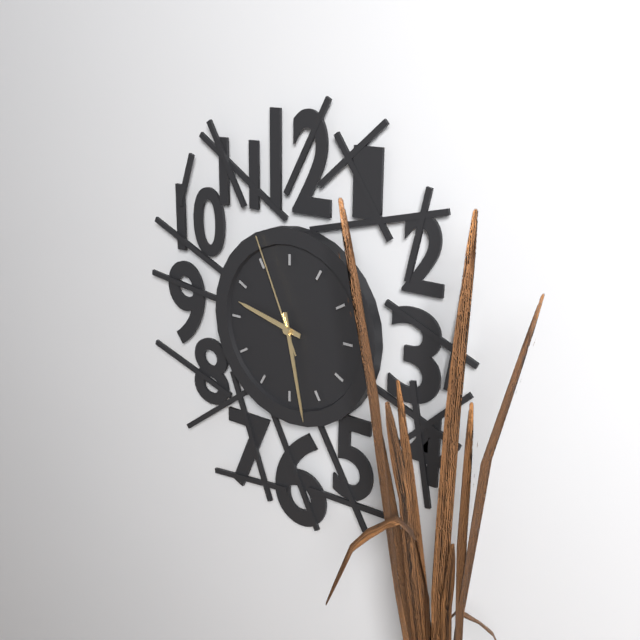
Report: 9.28.56
